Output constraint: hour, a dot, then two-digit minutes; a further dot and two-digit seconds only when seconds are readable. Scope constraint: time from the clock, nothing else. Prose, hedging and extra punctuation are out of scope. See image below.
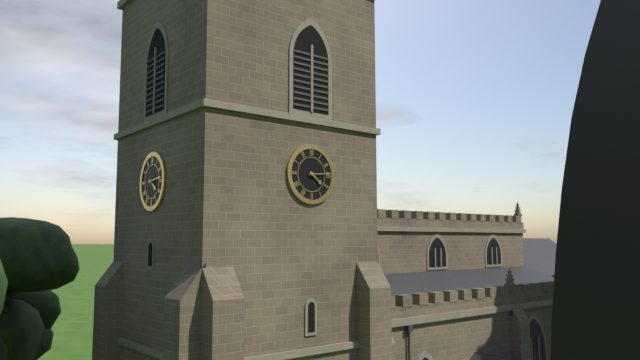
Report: 4.14
